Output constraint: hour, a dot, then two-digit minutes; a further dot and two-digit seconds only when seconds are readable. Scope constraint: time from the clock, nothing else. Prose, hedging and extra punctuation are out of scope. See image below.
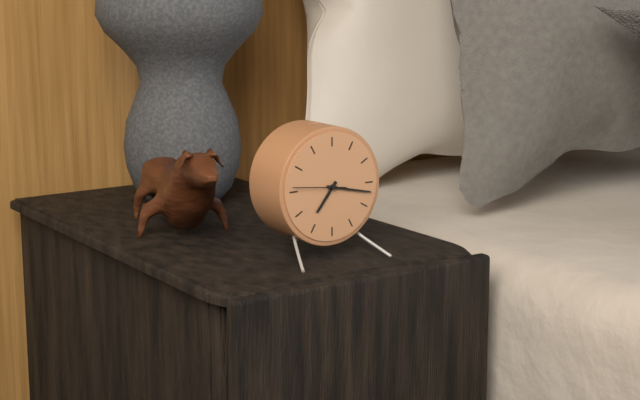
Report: 7.17
